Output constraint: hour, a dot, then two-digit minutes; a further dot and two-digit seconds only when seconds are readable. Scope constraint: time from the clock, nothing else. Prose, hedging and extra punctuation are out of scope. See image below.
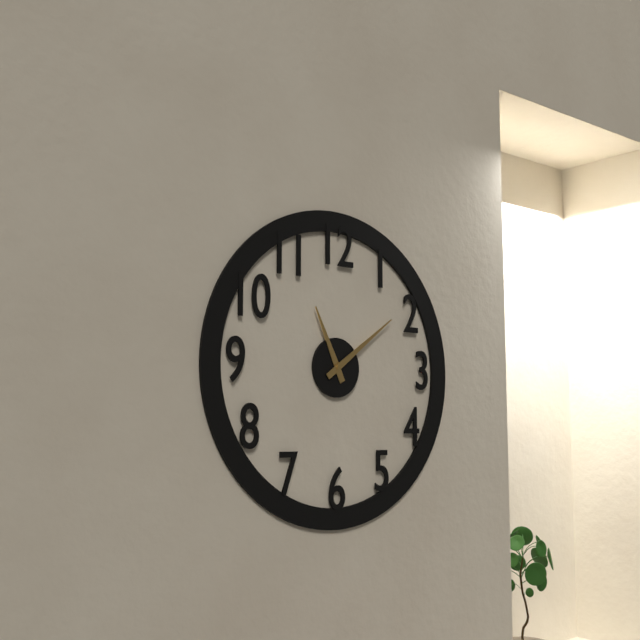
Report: 11.09
